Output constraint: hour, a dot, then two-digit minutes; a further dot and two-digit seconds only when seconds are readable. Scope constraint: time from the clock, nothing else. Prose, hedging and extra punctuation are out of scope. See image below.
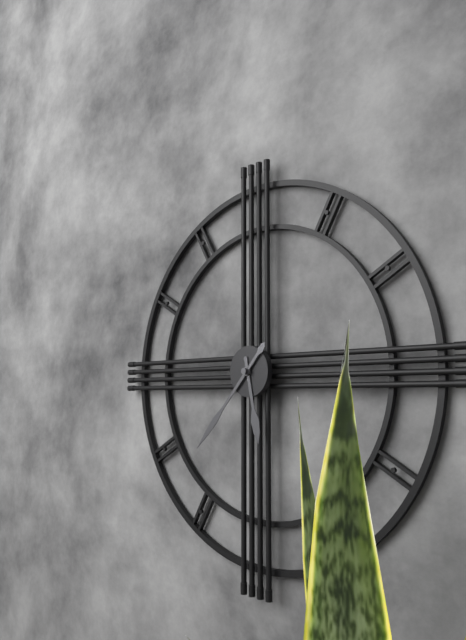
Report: 5.37
